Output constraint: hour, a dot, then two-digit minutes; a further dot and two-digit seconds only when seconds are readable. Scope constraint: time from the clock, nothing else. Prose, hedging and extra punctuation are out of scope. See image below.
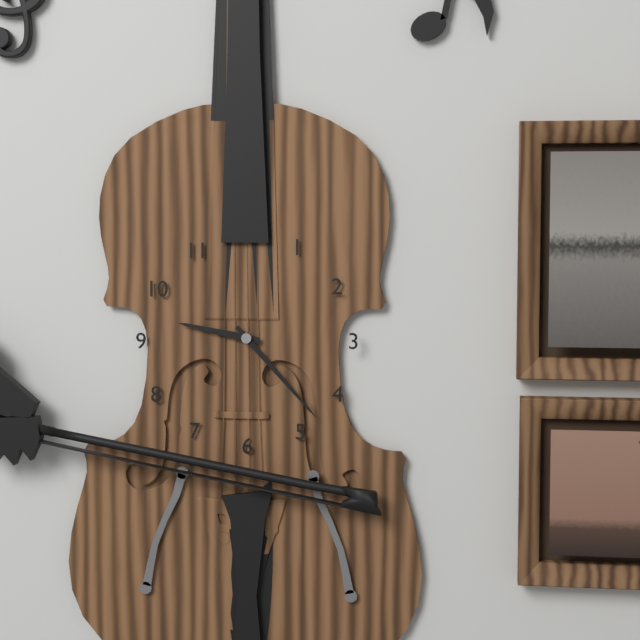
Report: 9.23
